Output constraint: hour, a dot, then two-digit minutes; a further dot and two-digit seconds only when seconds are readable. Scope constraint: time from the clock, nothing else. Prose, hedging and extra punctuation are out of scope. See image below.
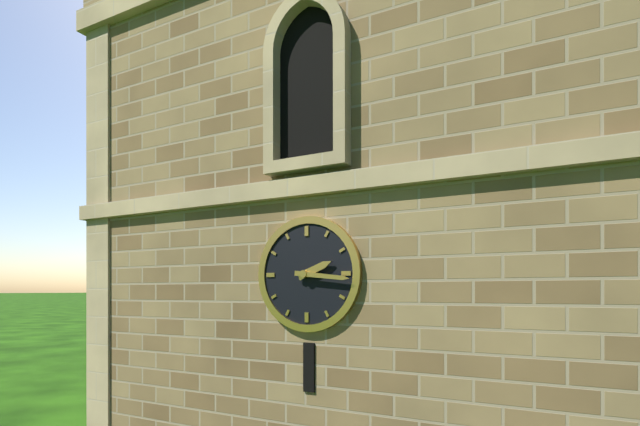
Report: 2.16
